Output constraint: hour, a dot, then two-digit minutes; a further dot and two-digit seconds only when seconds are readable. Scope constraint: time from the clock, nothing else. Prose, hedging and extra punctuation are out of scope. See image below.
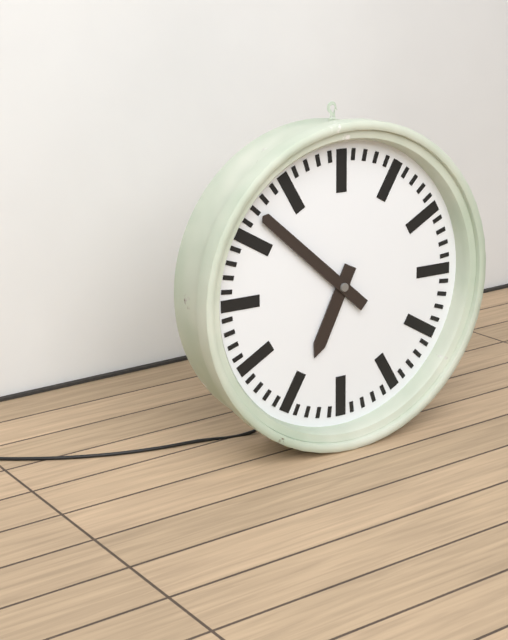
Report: 6.52
